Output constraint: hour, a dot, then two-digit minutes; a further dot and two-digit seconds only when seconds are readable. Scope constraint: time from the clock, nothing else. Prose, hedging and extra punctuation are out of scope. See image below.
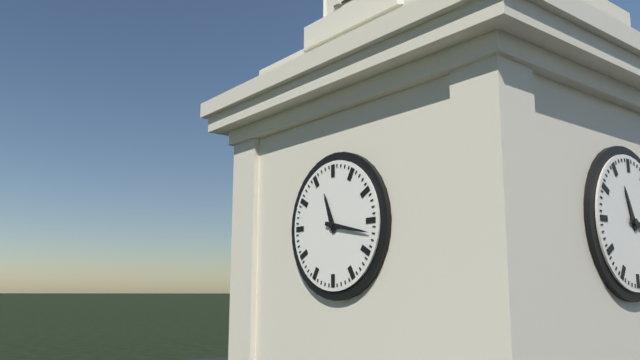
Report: 11.17
